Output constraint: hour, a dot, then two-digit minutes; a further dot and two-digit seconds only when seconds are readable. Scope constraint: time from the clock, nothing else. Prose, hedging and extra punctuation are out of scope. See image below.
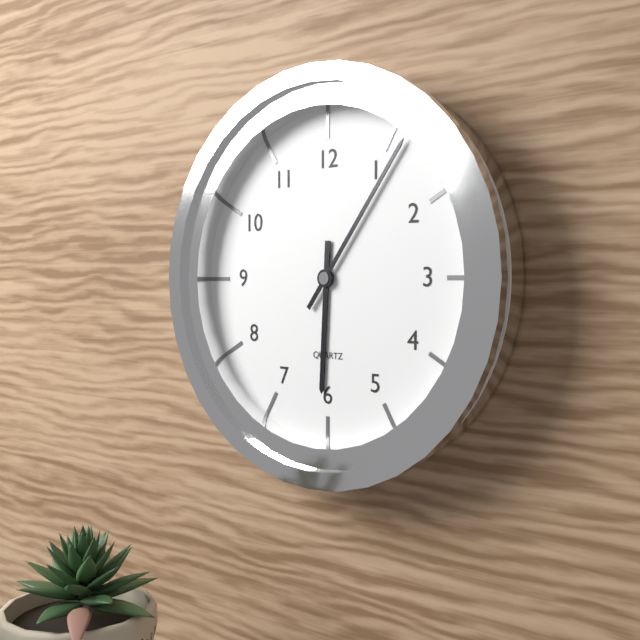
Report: 6.06
